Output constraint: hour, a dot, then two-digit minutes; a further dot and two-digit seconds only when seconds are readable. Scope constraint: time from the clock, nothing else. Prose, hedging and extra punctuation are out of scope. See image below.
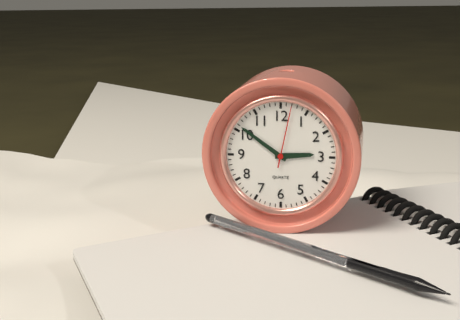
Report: 2.51.02
